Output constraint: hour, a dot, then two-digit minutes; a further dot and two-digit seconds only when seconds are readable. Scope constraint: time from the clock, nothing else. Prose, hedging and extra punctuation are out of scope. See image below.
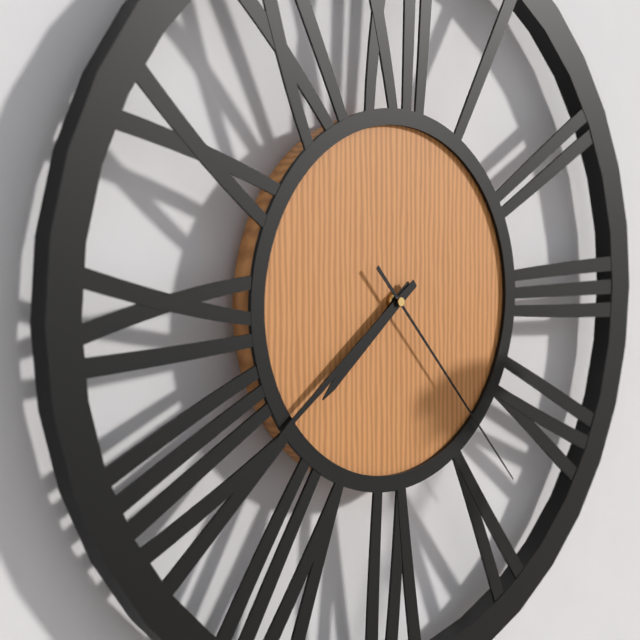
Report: 7.39.23
